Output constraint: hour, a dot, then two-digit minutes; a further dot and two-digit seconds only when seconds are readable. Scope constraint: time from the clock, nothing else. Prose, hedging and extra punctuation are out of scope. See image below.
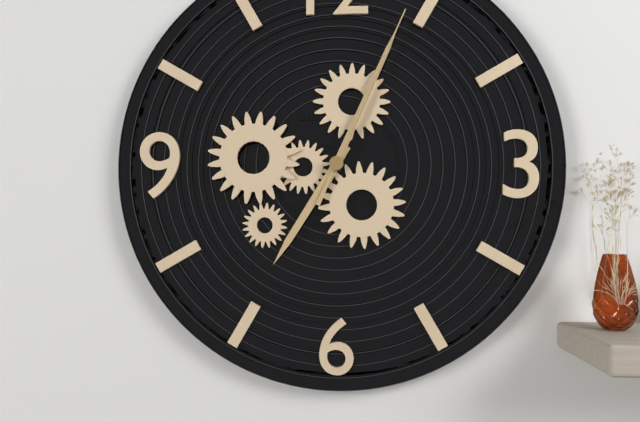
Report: 7.04.04
